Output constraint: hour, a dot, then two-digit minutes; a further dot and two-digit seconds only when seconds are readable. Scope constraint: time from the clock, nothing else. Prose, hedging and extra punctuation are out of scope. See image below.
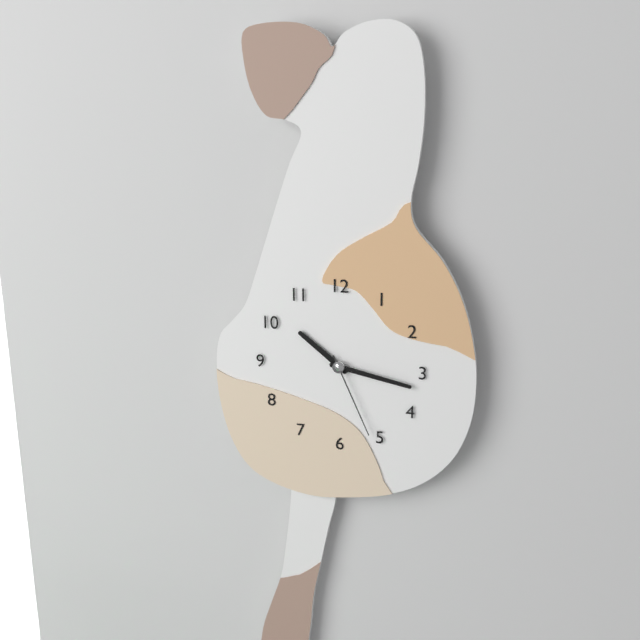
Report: 10.17.26
